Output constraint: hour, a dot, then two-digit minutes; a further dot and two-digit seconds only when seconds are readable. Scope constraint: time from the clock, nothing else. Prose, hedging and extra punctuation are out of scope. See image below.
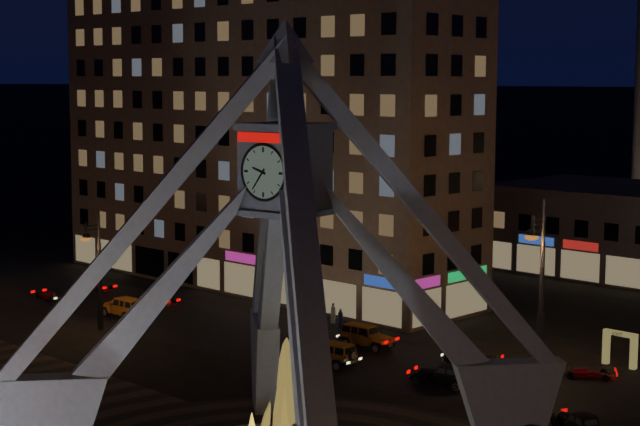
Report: 9.36
